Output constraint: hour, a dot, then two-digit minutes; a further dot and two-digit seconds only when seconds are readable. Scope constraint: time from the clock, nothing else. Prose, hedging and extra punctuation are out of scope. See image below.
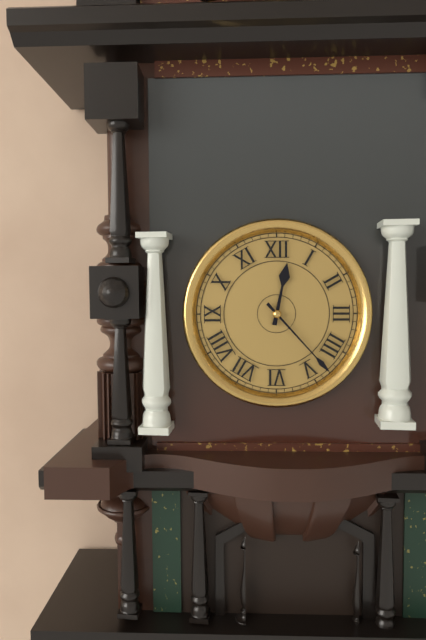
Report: 12.23
